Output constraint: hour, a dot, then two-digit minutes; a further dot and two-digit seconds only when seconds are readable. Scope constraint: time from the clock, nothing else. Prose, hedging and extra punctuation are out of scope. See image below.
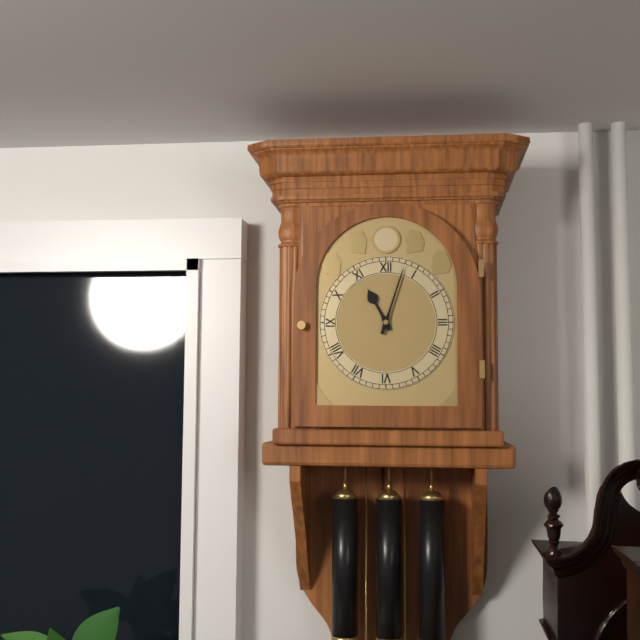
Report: 11.03
